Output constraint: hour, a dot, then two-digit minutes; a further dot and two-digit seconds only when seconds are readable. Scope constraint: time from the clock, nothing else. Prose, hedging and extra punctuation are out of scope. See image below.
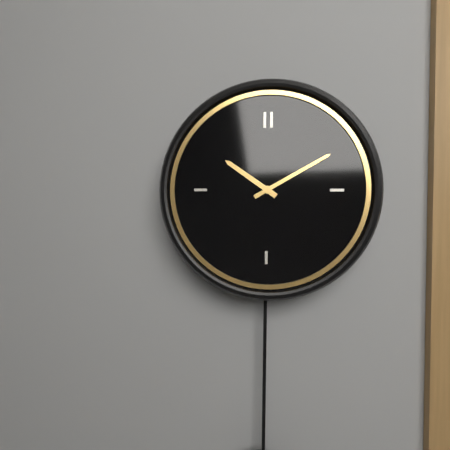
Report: 10.10
